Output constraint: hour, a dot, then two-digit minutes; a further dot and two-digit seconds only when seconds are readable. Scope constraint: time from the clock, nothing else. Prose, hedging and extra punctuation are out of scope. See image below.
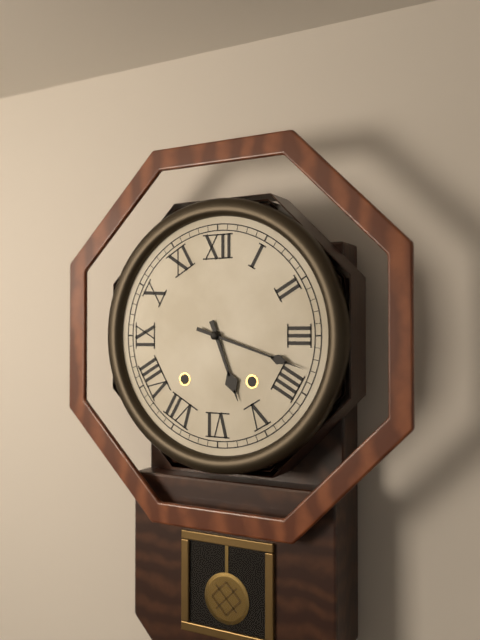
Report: 5.18
